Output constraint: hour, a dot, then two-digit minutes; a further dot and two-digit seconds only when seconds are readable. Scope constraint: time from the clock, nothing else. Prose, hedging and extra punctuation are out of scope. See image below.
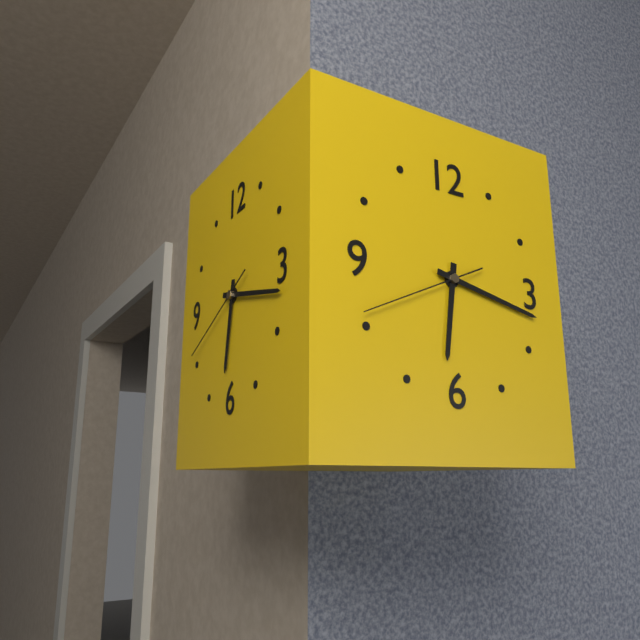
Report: 6.17.41
